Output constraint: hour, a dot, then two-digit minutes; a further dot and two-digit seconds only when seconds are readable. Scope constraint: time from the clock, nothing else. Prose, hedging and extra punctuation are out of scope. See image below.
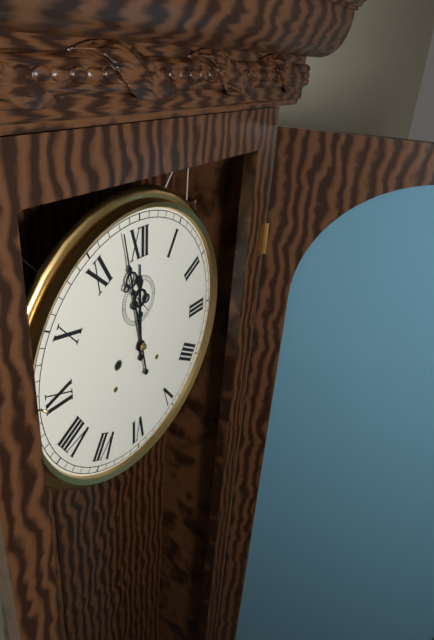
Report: 11.58
